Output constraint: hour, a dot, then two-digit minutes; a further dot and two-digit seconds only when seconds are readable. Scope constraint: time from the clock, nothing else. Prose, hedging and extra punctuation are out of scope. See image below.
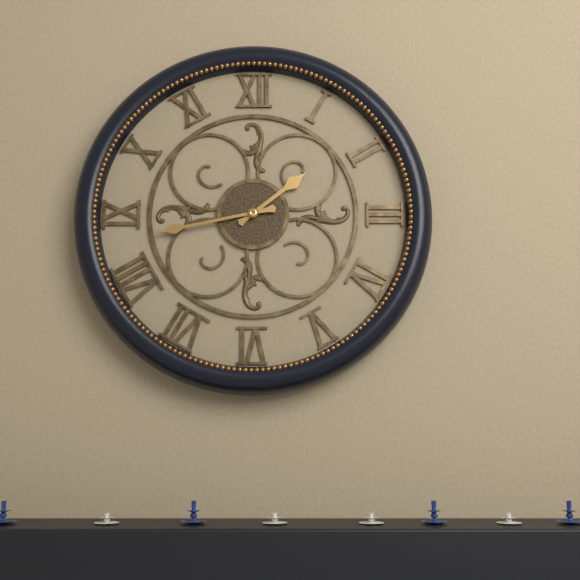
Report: 1.43
